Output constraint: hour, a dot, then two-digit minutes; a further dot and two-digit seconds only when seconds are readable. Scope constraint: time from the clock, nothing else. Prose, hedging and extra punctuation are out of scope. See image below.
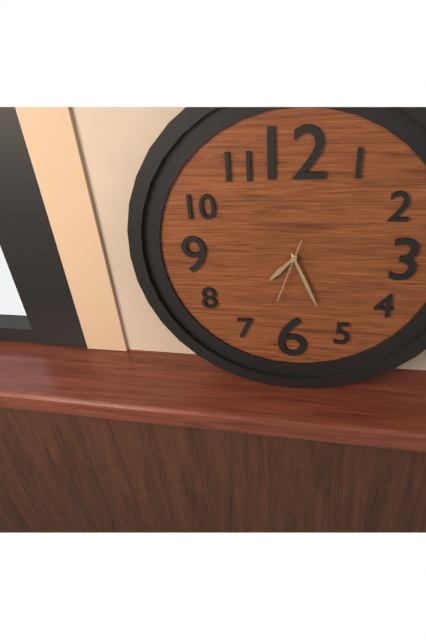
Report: 7.26.33
